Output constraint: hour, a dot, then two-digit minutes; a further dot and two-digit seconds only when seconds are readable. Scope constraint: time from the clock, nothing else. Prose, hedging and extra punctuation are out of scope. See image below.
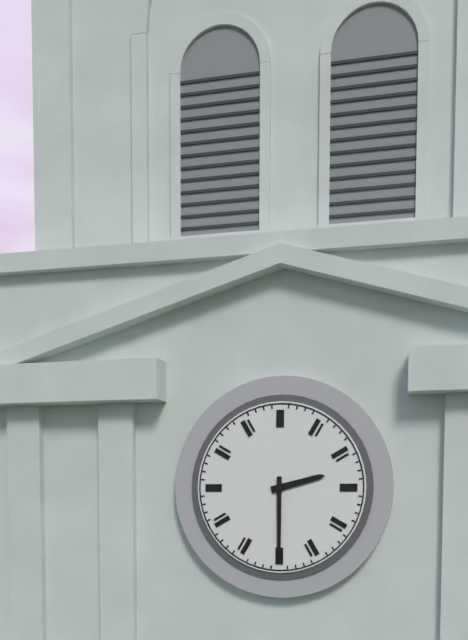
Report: 2.30
